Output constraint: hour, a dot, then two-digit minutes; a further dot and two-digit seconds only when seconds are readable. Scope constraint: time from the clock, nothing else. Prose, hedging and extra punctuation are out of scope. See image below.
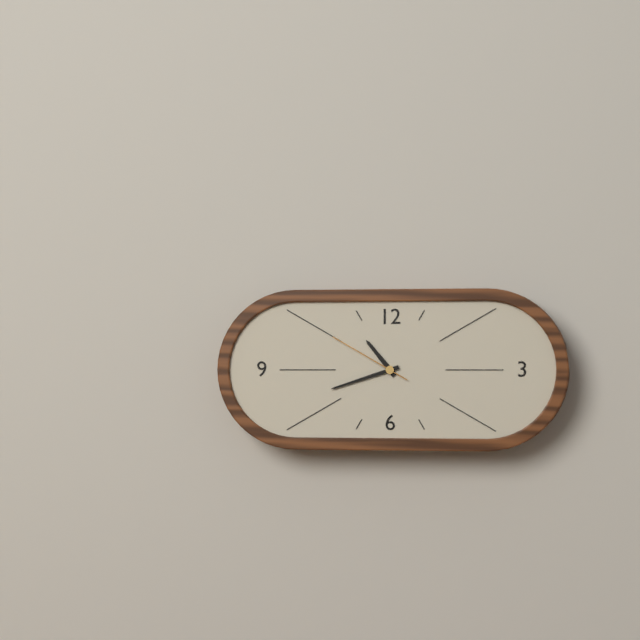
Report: 10.42.50
